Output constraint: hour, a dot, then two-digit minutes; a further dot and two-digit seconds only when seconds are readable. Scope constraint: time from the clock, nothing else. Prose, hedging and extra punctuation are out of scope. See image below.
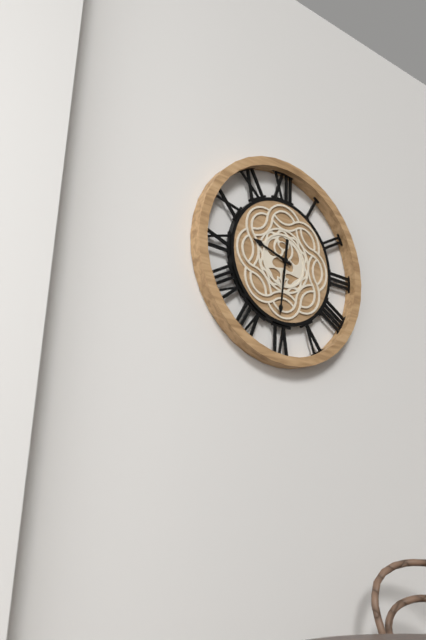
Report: 9.31
